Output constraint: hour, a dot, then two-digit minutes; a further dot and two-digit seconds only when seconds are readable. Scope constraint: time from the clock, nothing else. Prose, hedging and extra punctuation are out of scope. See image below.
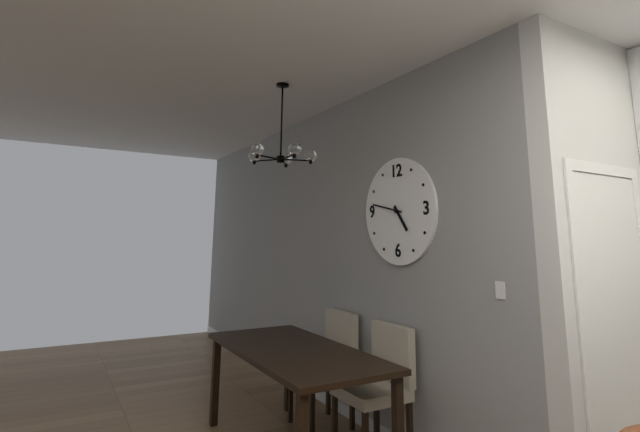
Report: 4.47
